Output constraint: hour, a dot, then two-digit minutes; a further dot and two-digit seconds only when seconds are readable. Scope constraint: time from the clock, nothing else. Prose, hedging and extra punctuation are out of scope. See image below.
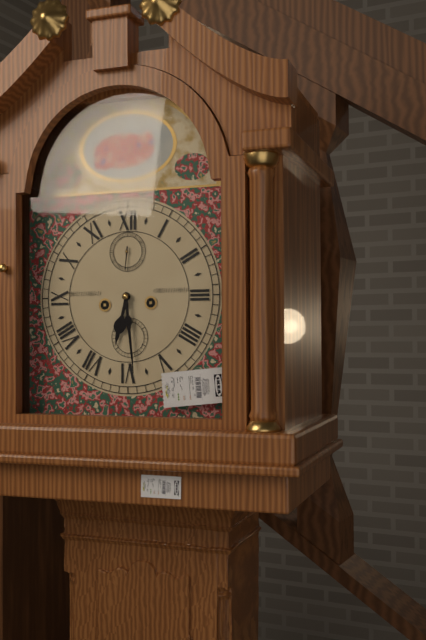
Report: 6.29
